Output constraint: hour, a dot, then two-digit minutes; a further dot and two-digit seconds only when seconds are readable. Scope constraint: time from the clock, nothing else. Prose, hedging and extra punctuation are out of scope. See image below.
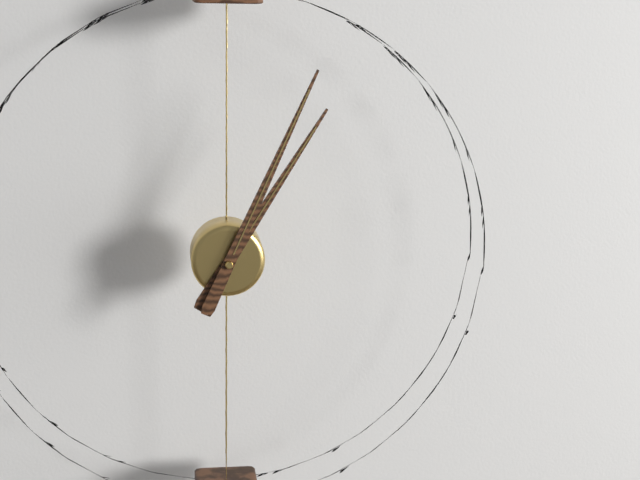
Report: 1.04
